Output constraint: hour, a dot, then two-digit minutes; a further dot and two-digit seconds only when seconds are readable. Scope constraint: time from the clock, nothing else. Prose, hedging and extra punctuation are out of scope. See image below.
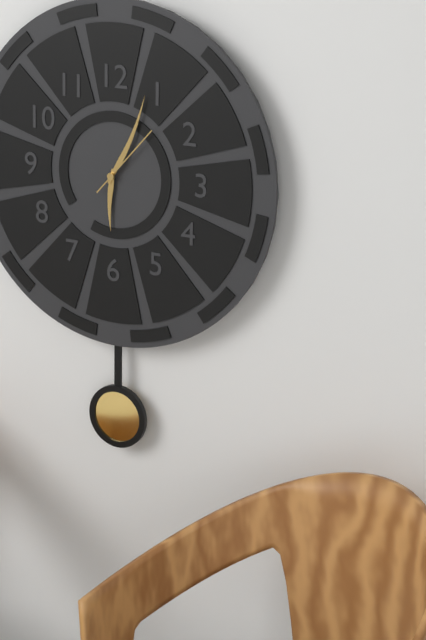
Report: 6.04.07
